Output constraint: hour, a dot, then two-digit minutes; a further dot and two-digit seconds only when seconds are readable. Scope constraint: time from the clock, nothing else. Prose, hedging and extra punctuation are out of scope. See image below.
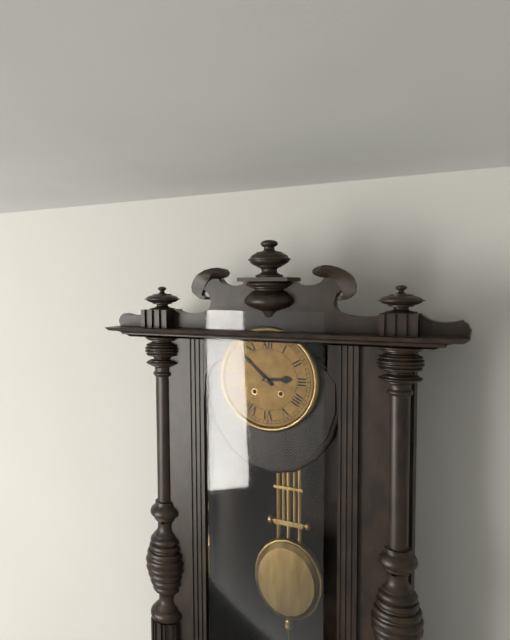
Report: 2.52
